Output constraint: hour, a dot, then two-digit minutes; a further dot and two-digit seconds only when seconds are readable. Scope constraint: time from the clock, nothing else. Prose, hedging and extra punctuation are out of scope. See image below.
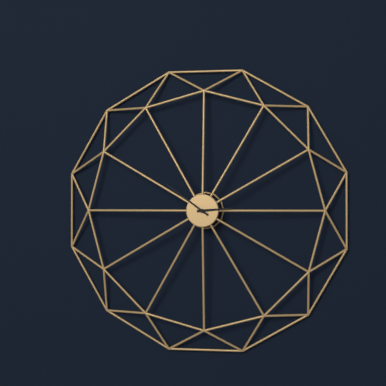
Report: 2.51
